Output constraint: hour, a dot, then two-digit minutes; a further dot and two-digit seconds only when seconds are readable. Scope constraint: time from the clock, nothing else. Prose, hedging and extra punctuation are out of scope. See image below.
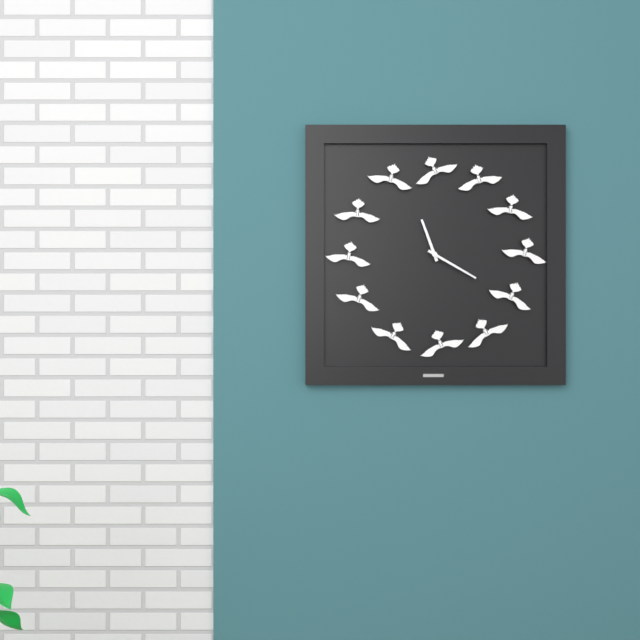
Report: 11.20
